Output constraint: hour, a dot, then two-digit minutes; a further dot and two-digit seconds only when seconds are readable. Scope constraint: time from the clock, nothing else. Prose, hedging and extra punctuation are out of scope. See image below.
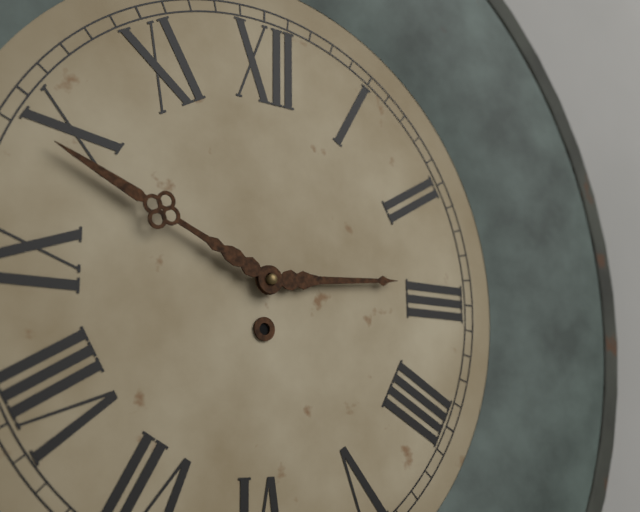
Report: 2.49
